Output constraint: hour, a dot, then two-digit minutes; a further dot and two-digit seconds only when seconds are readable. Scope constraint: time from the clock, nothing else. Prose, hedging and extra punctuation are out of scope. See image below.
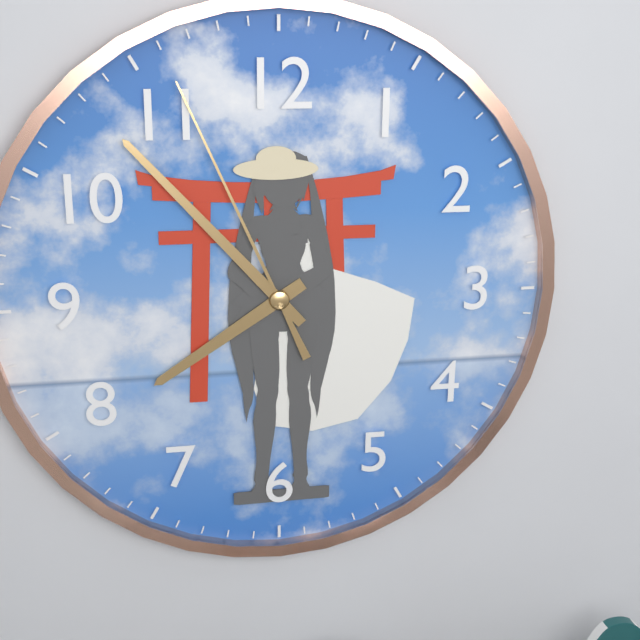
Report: 7.53.56
